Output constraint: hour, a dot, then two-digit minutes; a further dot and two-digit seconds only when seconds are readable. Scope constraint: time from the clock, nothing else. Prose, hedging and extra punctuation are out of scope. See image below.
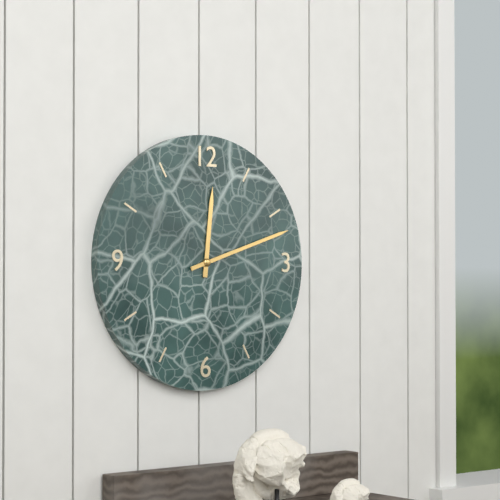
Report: 12.12
